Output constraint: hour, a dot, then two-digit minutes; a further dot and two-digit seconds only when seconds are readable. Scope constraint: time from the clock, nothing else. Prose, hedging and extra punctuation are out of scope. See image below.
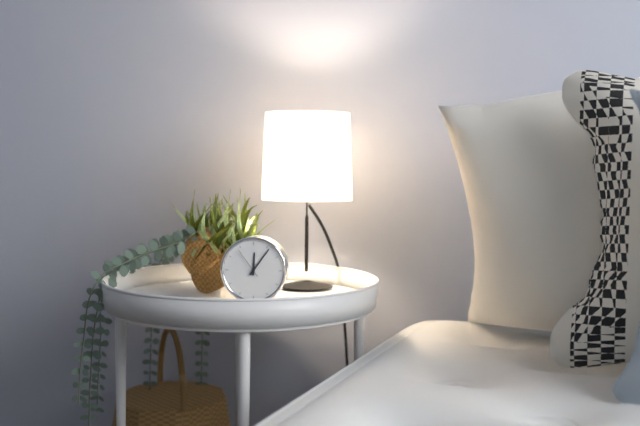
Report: 12.06
